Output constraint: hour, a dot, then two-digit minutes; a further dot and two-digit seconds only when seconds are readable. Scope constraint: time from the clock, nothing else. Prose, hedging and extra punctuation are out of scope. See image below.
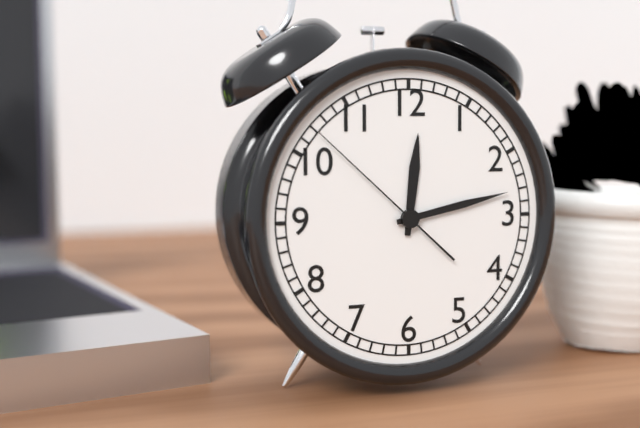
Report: 12.13.52
